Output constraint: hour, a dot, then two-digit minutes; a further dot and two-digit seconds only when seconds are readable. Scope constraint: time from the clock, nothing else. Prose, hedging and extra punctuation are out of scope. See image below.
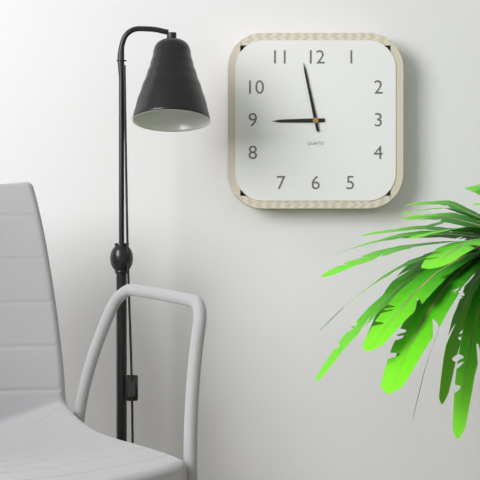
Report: 8.58
